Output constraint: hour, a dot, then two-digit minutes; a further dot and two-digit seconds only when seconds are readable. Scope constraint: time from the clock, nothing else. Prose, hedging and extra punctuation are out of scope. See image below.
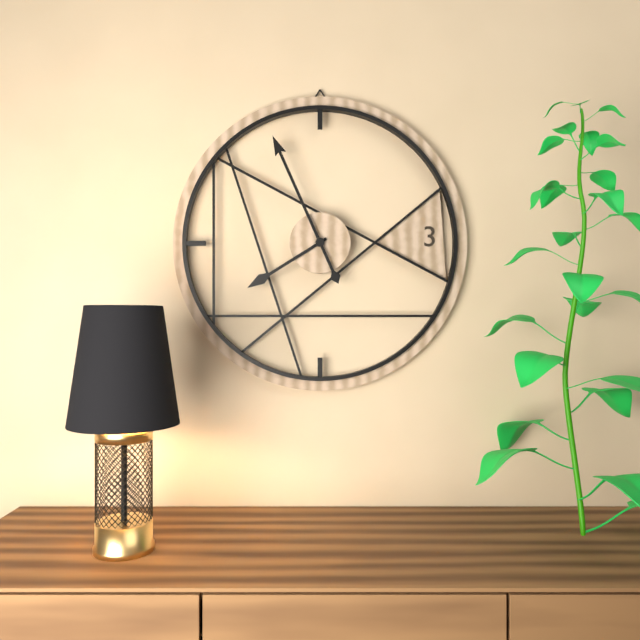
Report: 7.56
